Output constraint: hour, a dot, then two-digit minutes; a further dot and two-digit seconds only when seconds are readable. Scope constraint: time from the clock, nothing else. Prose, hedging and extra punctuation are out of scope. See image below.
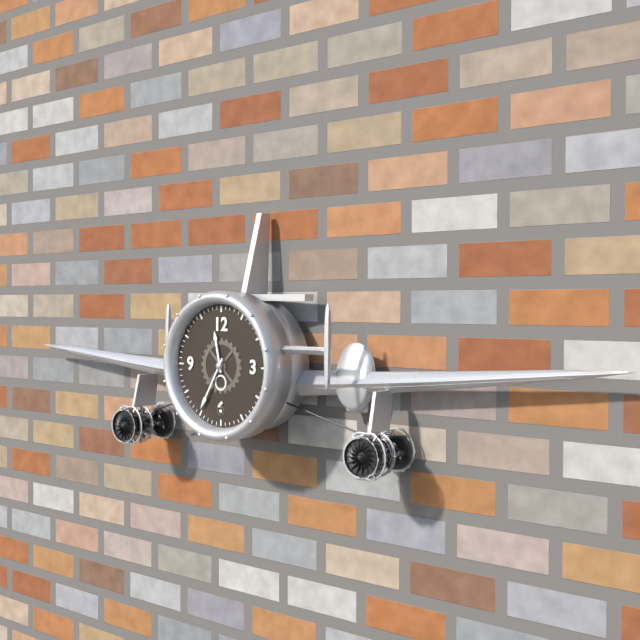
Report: 11.35
